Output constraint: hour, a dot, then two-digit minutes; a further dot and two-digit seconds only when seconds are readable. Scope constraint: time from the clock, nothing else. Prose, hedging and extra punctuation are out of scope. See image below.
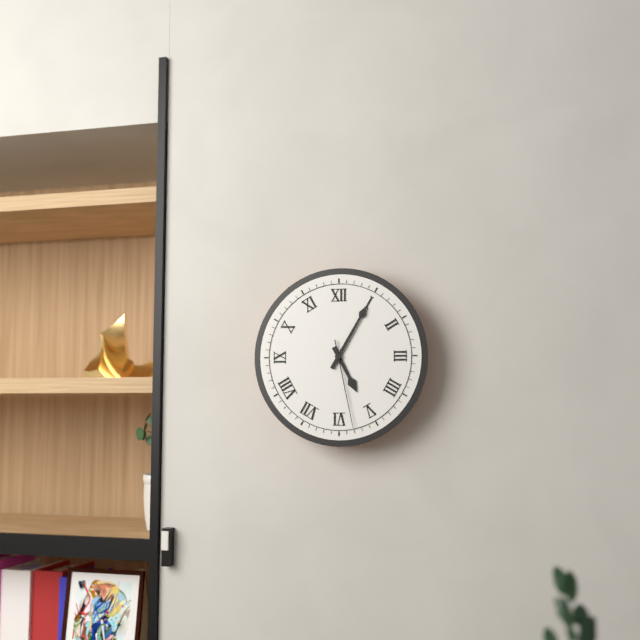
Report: 5.05.28
